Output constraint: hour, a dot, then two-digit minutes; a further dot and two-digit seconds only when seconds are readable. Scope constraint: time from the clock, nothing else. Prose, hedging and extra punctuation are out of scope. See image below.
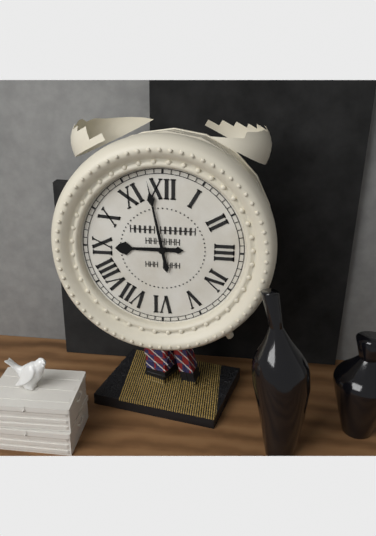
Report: 8.58
